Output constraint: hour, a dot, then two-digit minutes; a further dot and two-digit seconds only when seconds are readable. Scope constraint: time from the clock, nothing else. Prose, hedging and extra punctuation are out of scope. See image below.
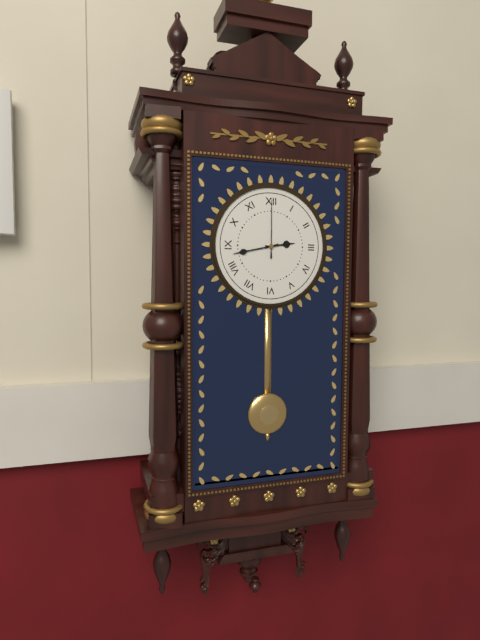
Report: 2.43.00
